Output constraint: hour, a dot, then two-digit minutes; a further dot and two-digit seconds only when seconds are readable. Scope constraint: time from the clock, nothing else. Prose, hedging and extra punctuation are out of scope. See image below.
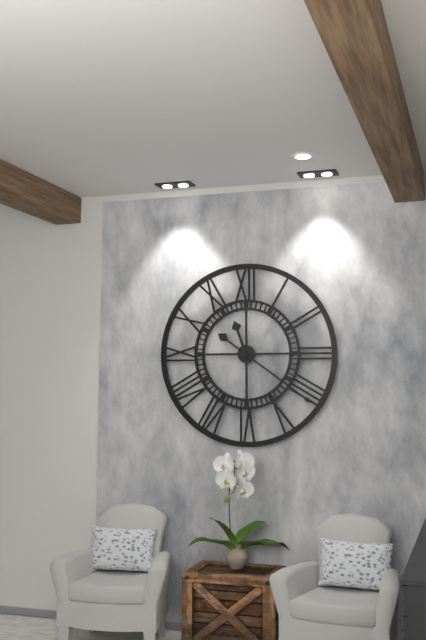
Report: 11.21
